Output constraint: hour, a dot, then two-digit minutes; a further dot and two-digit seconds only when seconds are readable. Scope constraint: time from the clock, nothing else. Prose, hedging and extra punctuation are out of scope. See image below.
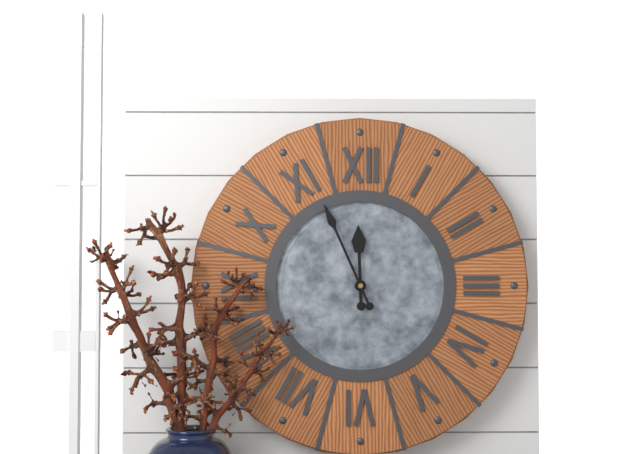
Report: 11.56
